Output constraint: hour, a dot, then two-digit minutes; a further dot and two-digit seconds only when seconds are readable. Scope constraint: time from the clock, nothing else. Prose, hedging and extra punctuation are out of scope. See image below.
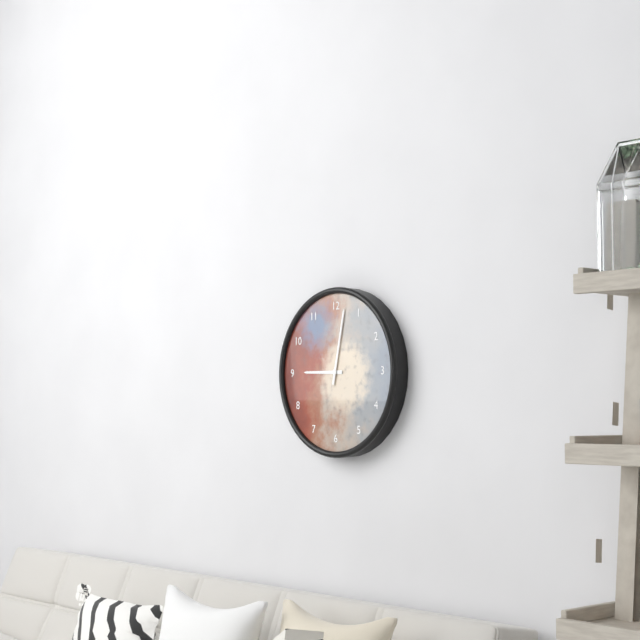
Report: 9.02
